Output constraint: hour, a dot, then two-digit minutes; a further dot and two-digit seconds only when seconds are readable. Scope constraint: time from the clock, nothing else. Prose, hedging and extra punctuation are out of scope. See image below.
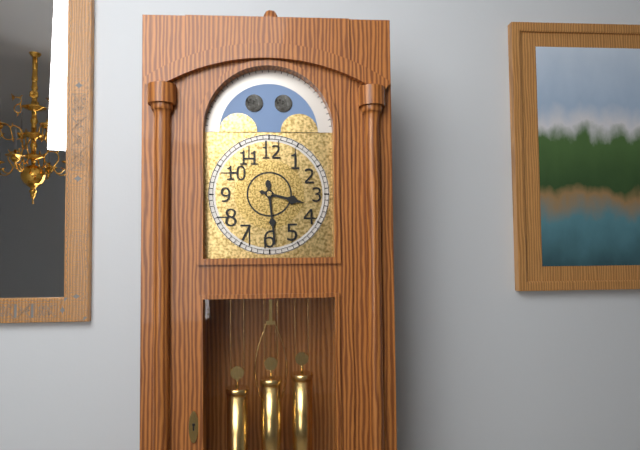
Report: 3.29
